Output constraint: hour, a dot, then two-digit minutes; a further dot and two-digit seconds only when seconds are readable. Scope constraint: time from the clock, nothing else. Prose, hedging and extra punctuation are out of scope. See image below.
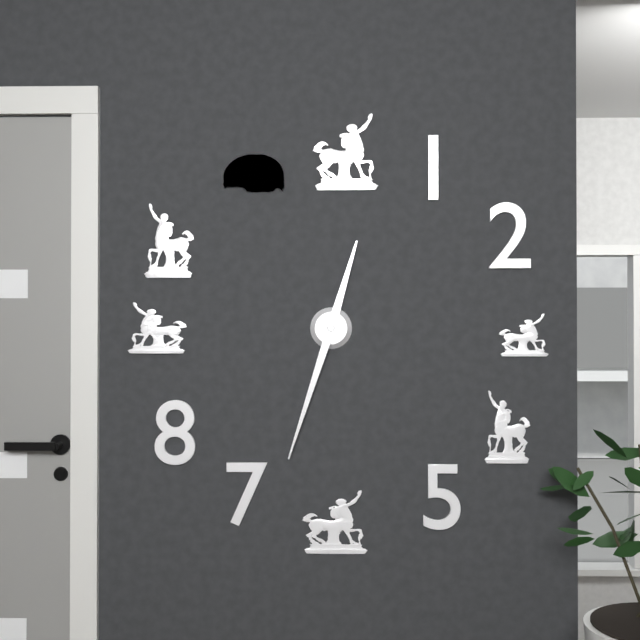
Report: 12.33
